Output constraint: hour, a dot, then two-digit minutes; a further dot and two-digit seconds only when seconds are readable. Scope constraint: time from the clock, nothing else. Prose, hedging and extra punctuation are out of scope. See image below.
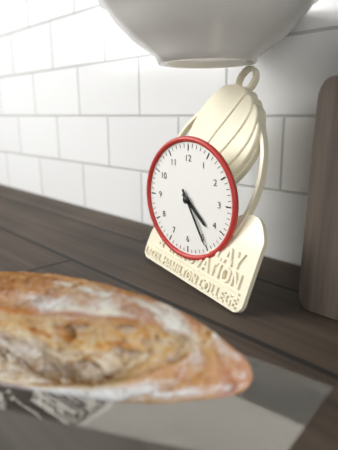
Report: 4.25
